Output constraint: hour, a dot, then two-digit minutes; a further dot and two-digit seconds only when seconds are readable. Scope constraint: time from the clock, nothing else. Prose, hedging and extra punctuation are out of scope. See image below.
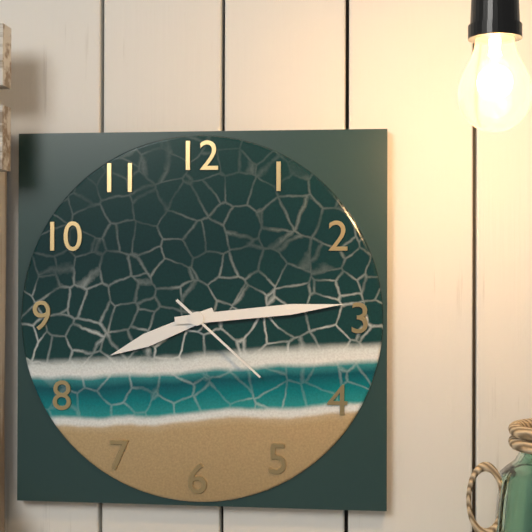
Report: 8.14.22
